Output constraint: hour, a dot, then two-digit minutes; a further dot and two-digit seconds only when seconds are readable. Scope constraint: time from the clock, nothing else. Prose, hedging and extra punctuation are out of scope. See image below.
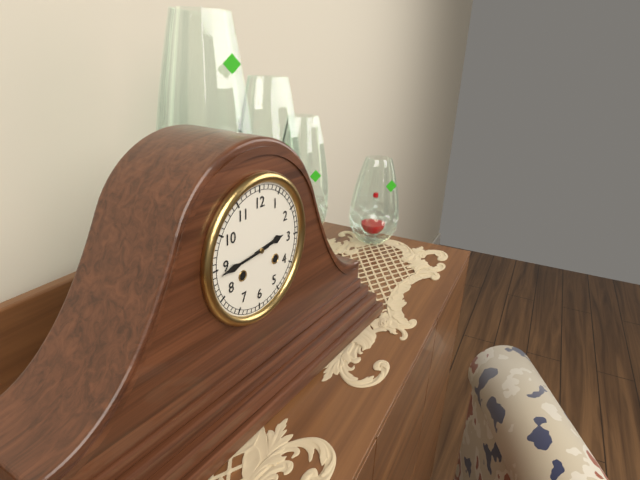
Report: 2.44
